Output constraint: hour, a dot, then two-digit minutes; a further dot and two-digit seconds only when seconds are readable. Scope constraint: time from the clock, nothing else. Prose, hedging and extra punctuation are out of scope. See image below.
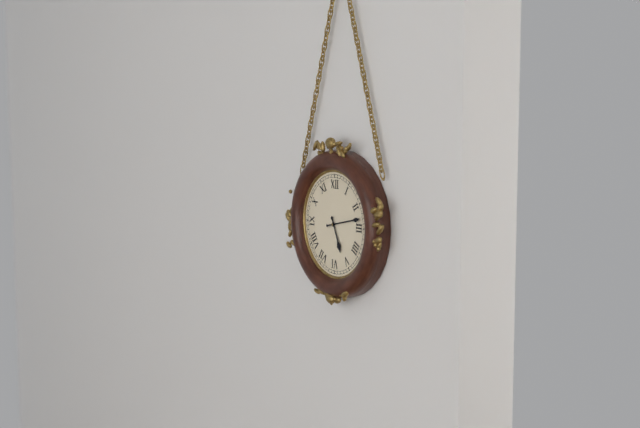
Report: 5.13
